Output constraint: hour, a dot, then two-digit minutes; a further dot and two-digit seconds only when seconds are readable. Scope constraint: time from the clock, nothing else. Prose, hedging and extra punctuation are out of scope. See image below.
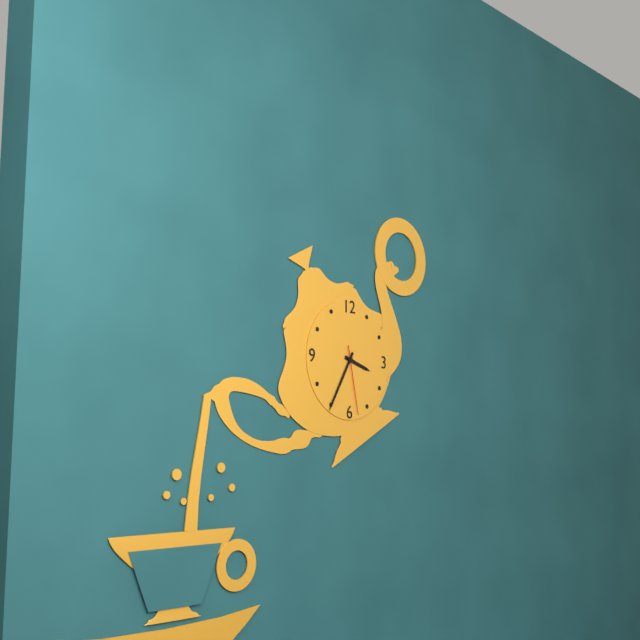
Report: 3.35.28
